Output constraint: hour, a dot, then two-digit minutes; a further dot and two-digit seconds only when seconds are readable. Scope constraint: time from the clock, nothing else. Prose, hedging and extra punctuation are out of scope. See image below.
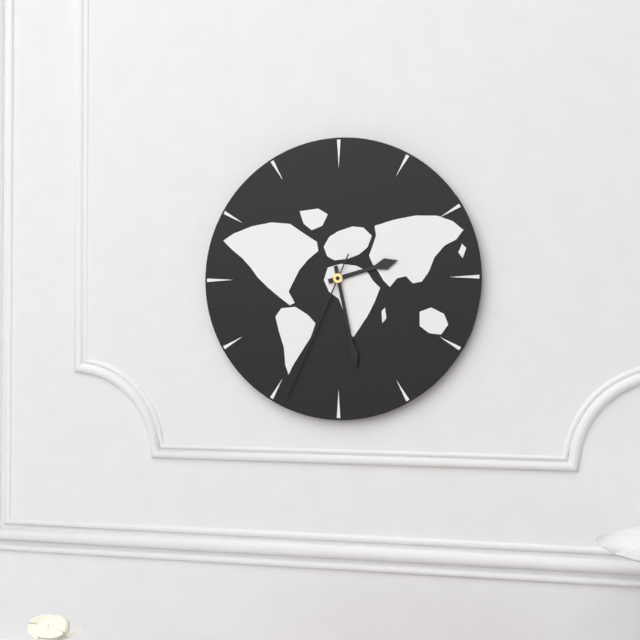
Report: 2.28.34
